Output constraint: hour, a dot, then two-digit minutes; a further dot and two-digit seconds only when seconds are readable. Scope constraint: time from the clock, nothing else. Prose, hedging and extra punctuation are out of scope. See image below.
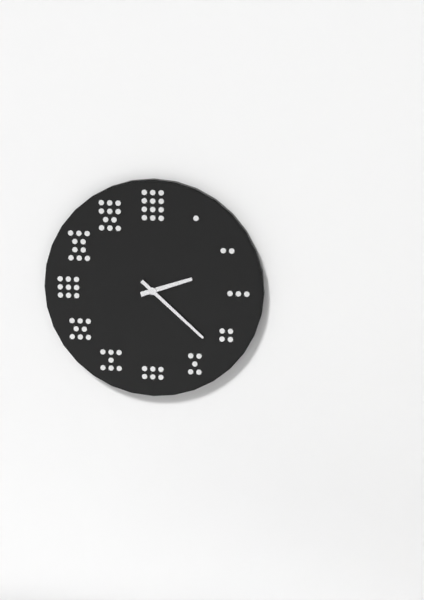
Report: 2.22
